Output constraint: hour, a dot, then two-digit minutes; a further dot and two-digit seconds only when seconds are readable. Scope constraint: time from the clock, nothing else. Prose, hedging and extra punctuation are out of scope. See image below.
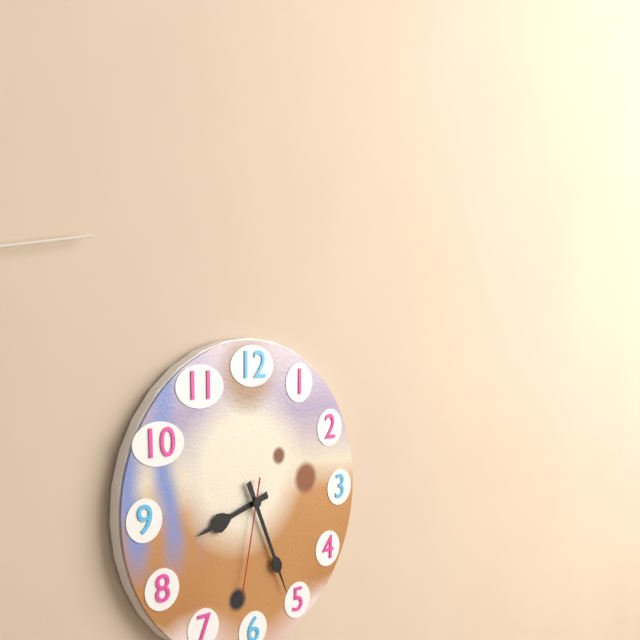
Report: 8.26.32
